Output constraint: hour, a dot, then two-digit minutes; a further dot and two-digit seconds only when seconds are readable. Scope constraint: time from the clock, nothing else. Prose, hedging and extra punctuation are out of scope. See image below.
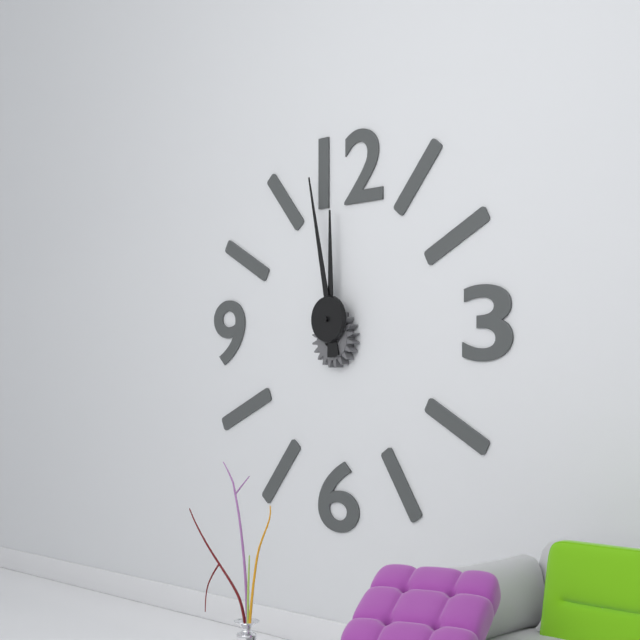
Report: 11.58
